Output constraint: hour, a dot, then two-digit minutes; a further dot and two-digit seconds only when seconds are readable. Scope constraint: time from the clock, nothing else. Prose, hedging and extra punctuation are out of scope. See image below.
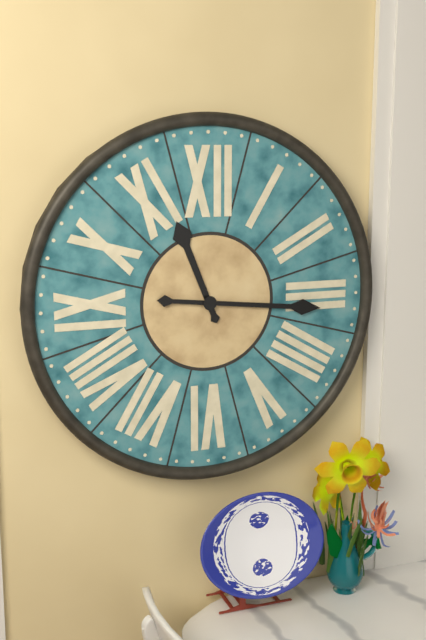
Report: 11.16
